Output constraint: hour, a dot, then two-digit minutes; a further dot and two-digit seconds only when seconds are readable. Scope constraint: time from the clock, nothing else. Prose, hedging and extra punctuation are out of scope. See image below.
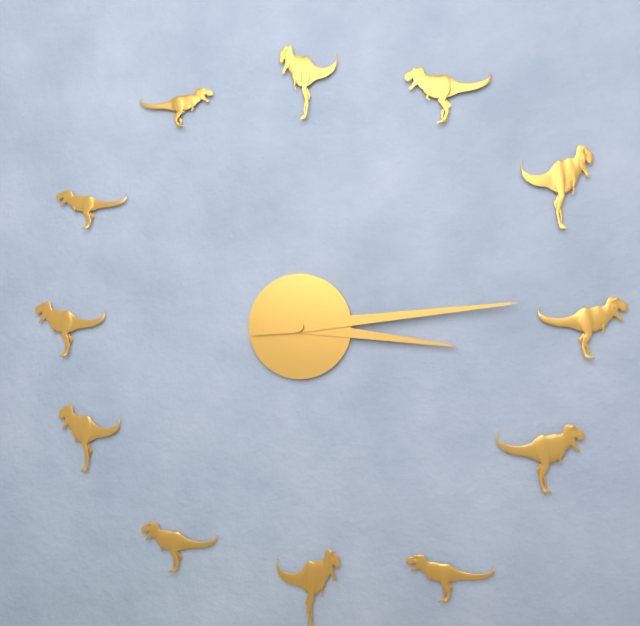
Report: 3.14
